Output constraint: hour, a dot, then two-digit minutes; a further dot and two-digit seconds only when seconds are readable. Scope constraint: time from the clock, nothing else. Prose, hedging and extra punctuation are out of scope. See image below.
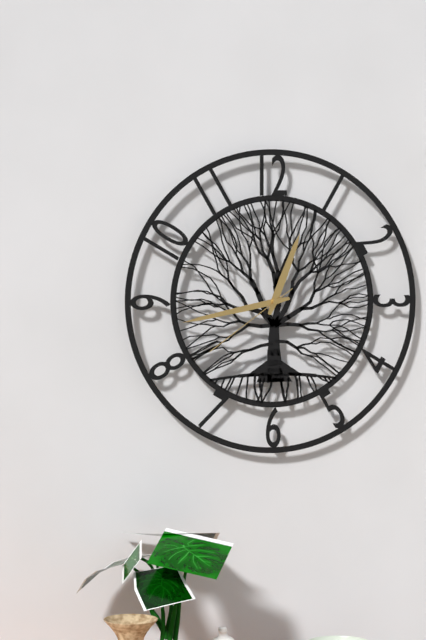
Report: 12.43.39
